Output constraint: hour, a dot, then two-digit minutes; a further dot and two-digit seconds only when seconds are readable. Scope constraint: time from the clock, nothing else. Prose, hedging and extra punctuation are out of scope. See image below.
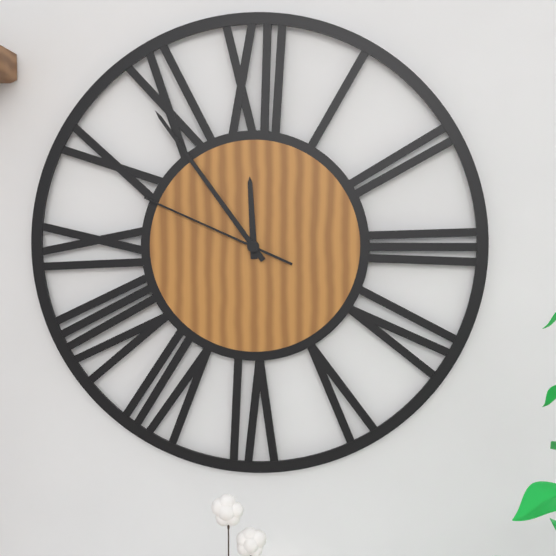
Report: 11.54.49
